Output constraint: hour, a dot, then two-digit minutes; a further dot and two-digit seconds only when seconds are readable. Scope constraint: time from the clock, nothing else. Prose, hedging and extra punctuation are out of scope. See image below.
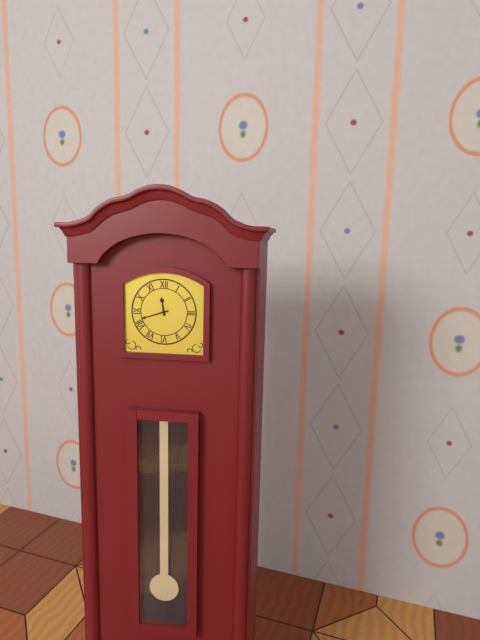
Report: 11.42
